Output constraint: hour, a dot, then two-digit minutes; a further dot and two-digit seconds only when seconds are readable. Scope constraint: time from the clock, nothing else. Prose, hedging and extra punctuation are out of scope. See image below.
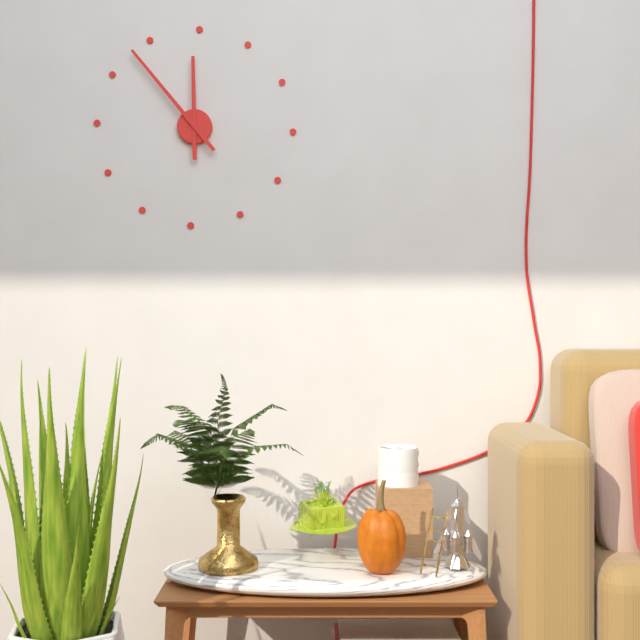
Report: 11.53
